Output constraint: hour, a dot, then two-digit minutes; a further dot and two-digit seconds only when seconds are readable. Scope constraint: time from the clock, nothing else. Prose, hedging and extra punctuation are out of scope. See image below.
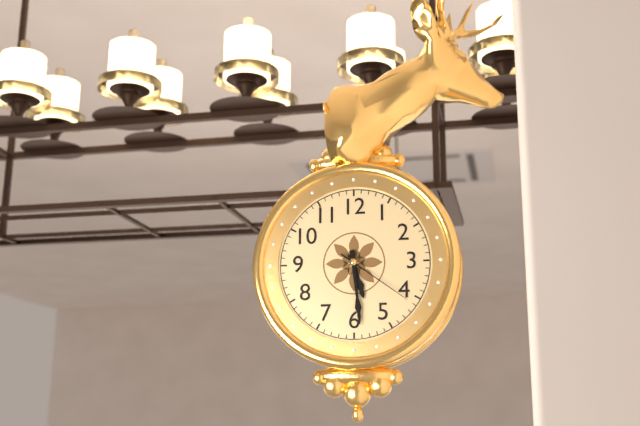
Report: 5.29.21
